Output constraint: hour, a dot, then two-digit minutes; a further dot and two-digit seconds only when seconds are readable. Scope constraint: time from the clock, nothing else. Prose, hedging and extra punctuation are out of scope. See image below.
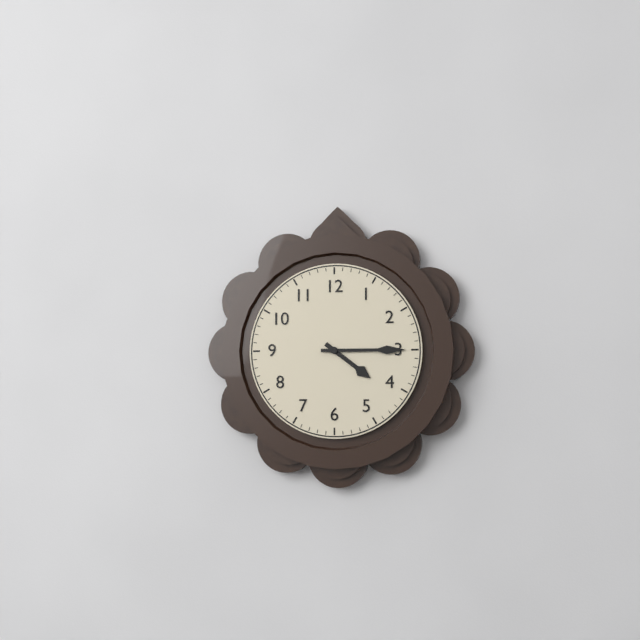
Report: 4.15
